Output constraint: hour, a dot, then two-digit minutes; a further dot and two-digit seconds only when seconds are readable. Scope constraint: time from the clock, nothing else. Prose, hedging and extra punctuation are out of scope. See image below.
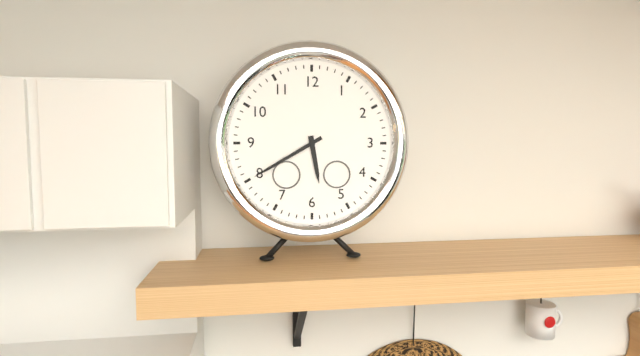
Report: 5.40
